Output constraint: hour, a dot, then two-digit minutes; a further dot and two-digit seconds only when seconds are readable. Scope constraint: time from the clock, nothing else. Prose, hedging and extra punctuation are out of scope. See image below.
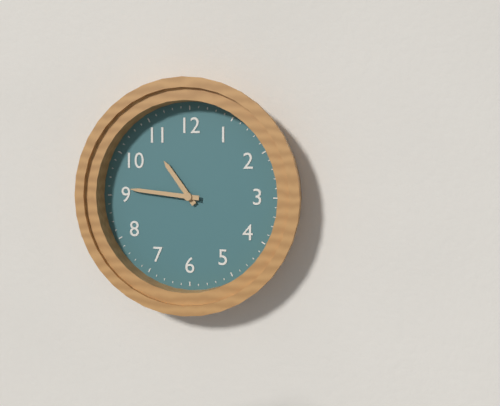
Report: 10.46
